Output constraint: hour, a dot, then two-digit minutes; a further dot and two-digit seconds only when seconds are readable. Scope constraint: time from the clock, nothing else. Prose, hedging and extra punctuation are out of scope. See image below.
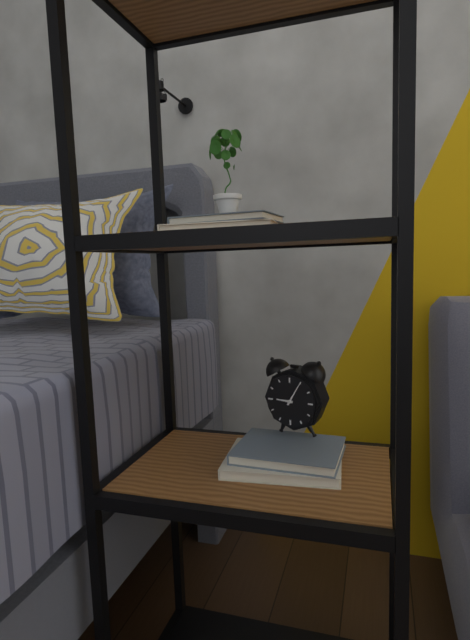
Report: 9.05
